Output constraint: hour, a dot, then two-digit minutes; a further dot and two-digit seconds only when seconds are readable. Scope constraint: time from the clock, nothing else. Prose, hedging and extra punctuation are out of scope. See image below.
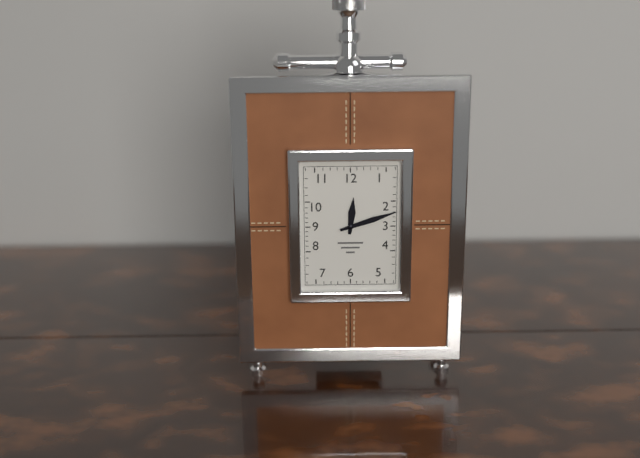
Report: 12.12
